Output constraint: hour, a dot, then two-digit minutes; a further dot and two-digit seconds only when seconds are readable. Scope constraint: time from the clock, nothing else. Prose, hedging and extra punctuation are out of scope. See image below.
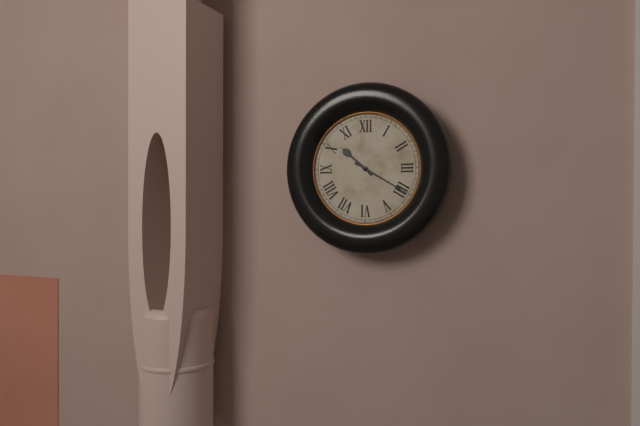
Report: 10.20
